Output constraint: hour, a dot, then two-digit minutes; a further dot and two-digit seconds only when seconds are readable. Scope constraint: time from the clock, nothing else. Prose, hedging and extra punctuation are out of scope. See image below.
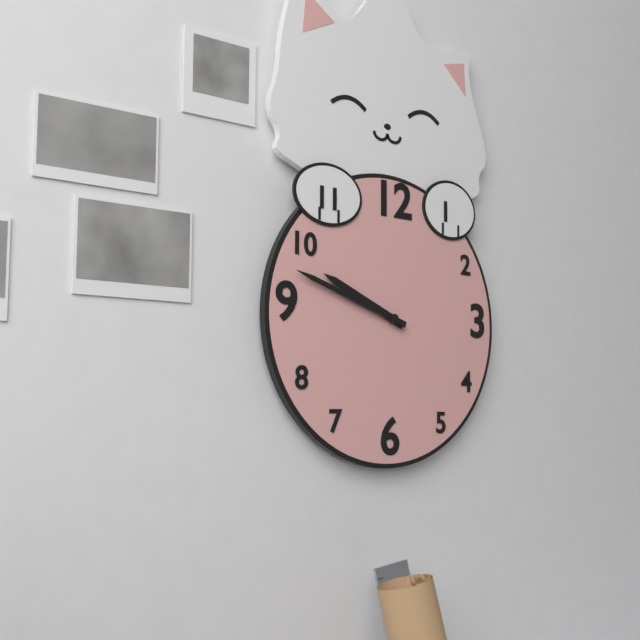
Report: 9.48
